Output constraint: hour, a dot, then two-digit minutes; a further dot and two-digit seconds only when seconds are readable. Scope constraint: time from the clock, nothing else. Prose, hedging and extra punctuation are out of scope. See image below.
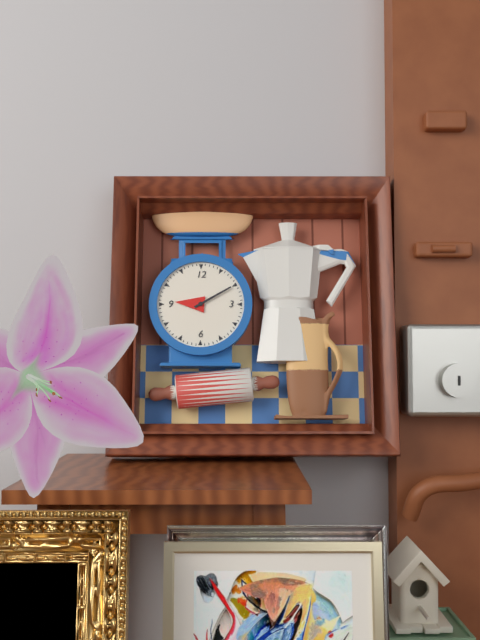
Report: 9.10
